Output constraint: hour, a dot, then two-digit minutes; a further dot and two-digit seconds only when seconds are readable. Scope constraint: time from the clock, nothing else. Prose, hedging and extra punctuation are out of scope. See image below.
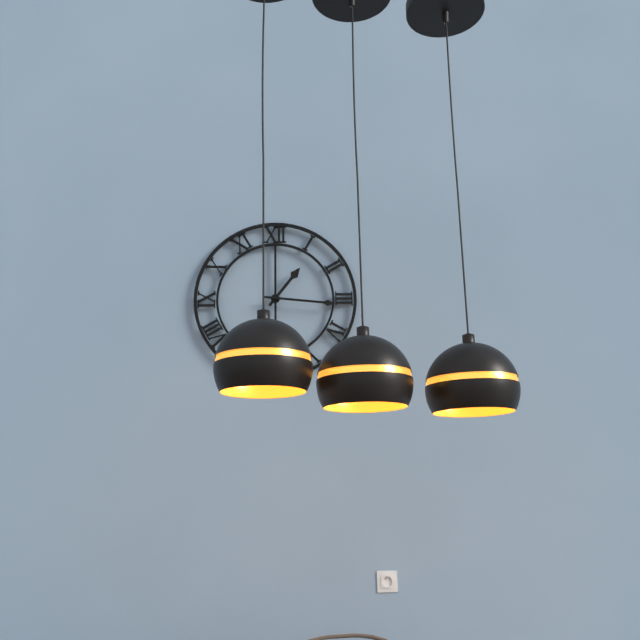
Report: 1.16
